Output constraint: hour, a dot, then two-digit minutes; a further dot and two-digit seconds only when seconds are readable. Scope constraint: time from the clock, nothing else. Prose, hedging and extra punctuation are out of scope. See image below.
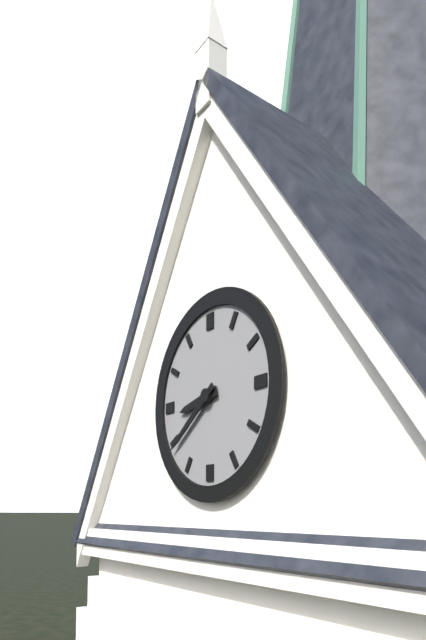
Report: 8.39
